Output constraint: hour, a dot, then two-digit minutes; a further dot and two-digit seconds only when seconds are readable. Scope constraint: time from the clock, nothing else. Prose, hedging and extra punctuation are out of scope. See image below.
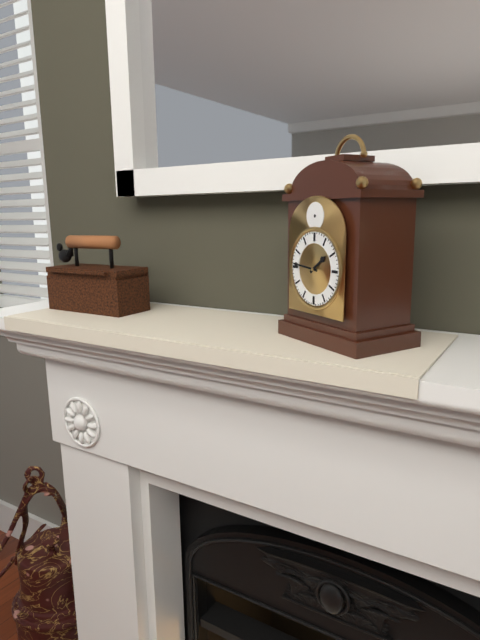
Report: 1.46
